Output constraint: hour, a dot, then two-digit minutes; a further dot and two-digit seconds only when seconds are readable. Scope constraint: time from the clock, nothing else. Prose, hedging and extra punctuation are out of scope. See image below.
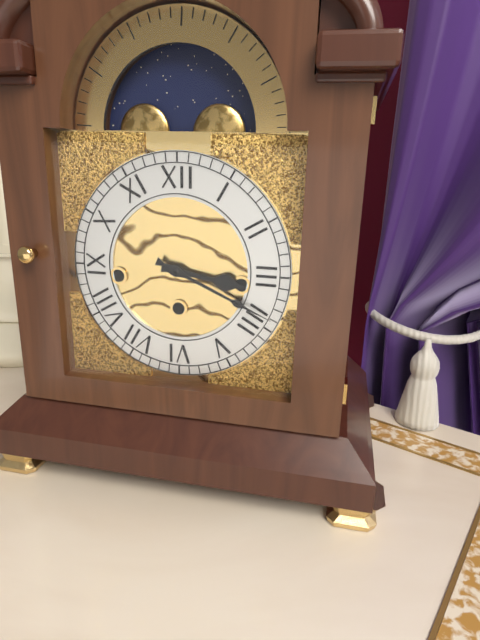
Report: 3.19
